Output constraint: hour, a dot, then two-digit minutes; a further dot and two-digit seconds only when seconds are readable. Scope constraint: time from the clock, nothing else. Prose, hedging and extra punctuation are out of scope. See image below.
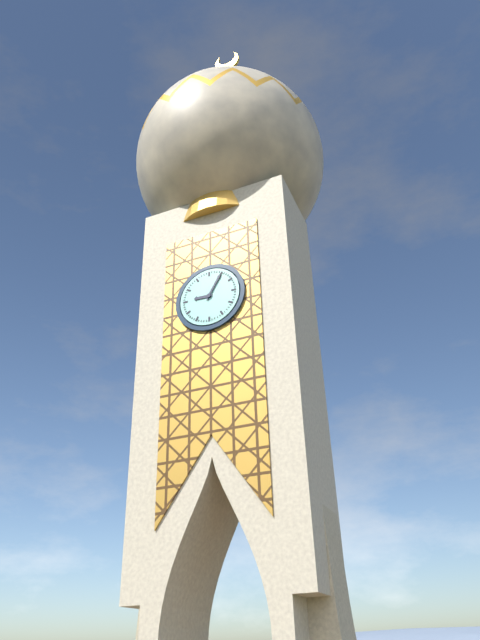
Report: 9.05
